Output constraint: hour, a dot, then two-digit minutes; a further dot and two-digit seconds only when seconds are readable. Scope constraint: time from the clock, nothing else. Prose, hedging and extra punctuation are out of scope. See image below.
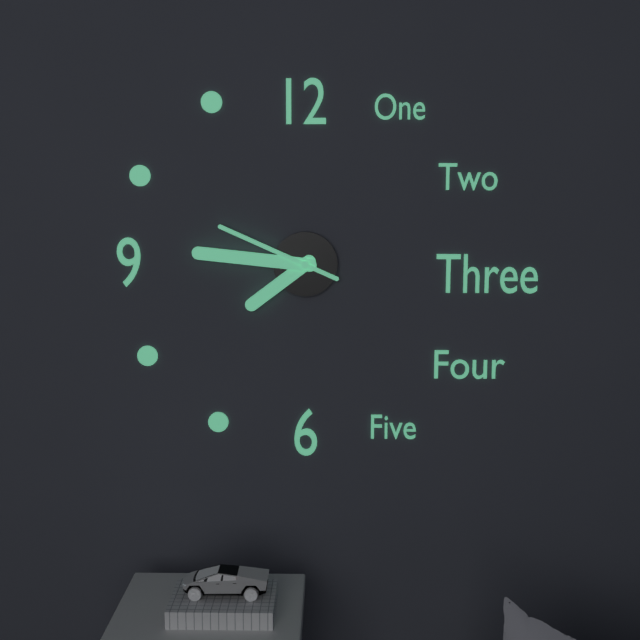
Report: 7.46.49
